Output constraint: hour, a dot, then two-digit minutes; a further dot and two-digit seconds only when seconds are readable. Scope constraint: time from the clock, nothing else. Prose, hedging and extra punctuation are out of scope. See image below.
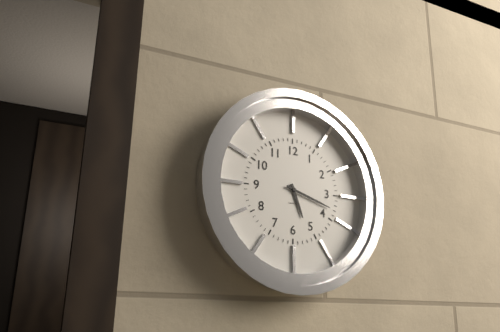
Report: 5.18
